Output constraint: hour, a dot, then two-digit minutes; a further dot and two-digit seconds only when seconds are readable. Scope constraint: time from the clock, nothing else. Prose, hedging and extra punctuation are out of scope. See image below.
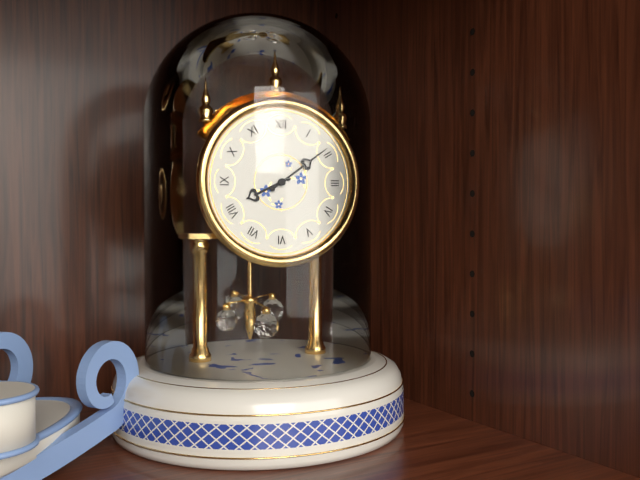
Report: 8.09
